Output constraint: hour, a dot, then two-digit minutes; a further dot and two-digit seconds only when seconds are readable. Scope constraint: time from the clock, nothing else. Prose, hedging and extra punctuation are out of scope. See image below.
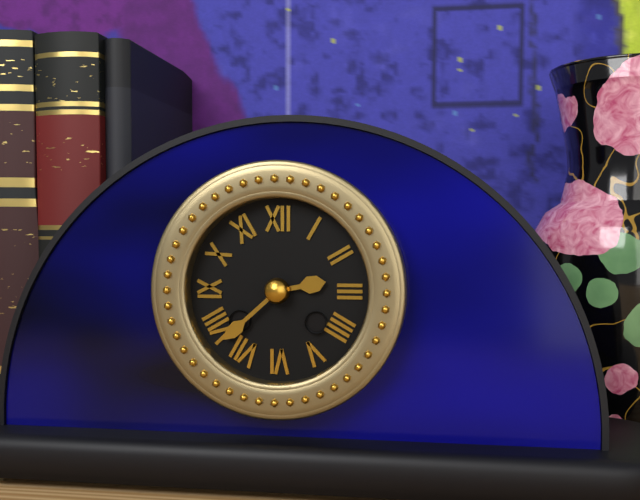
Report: 2.38
